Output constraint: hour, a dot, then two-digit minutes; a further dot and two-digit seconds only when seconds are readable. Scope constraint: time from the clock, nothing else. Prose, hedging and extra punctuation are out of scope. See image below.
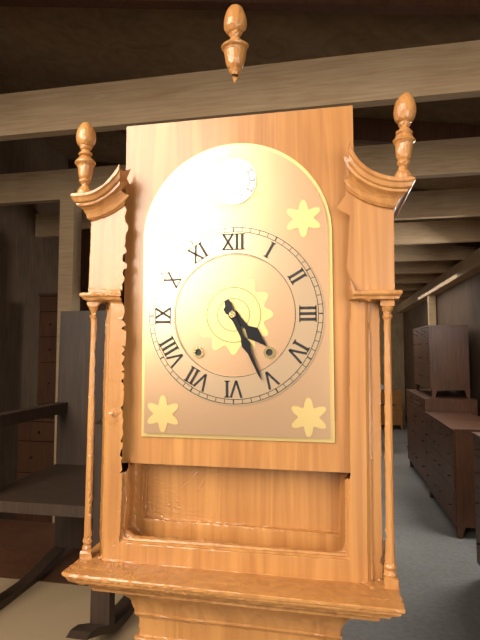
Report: 4.26
